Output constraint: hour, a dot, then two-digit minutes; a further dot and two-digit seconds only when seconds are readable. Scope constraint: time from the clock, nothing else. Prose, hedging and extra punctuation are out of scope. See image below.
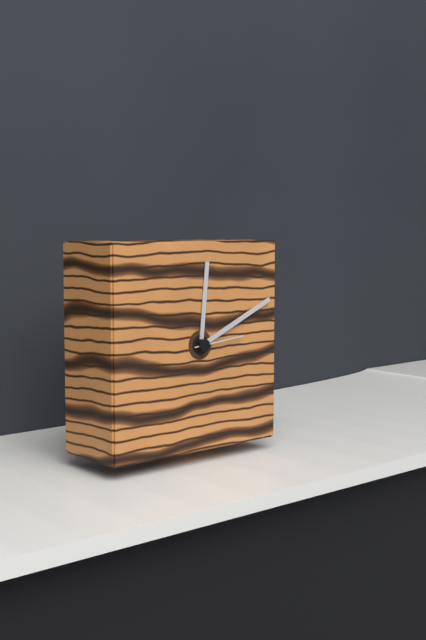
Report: 12.11.14
